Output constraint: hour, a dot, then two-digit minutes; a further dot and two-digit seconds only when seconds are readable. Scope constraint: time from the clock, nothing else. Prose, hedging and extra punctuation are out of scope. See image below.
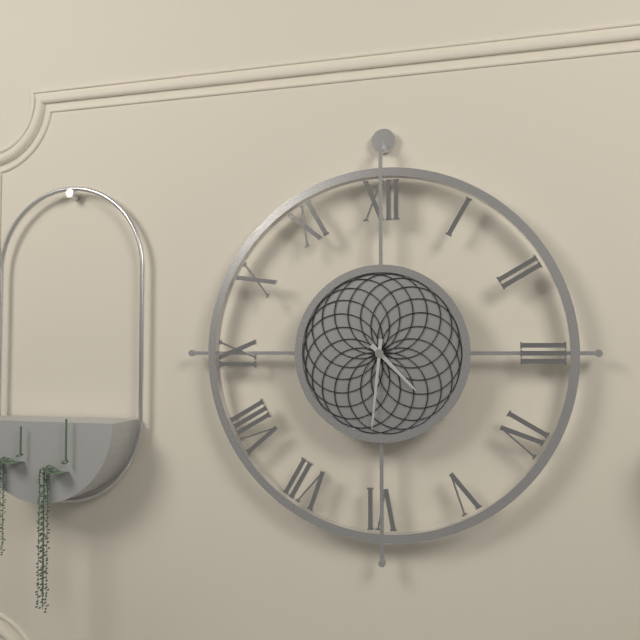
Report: 4.31
